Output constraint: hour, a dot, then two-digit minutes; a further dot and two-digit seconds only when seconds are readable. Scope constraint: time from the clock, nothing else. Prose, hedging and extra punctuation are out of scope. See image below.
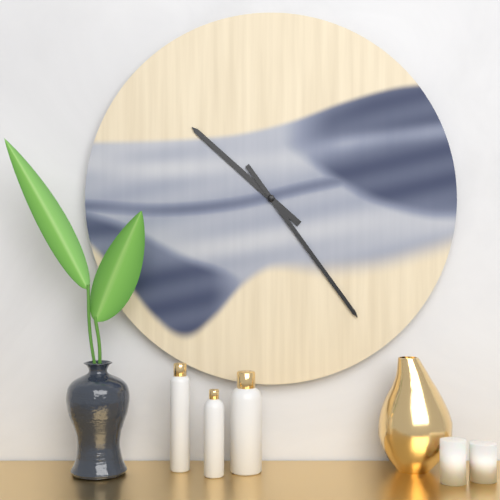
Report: 10.24
